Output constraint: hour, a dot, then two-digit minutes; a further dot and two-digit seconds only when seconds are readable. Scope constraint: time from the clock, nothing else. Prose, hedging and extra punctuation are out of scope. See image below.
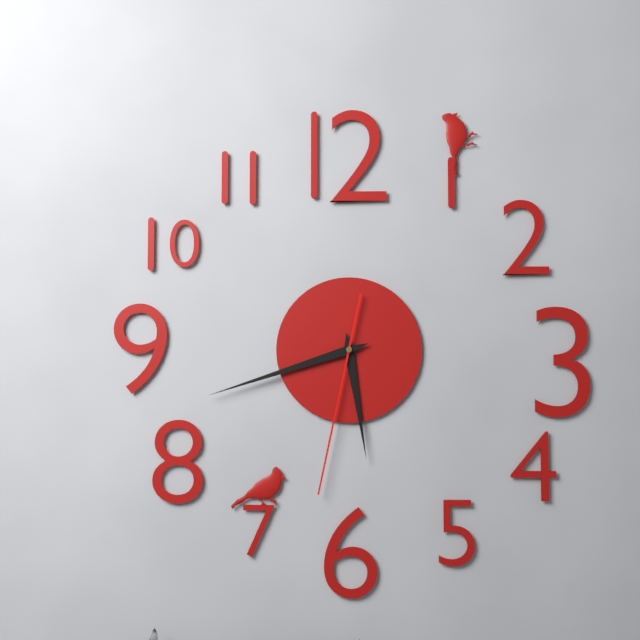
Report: 5.42.32
